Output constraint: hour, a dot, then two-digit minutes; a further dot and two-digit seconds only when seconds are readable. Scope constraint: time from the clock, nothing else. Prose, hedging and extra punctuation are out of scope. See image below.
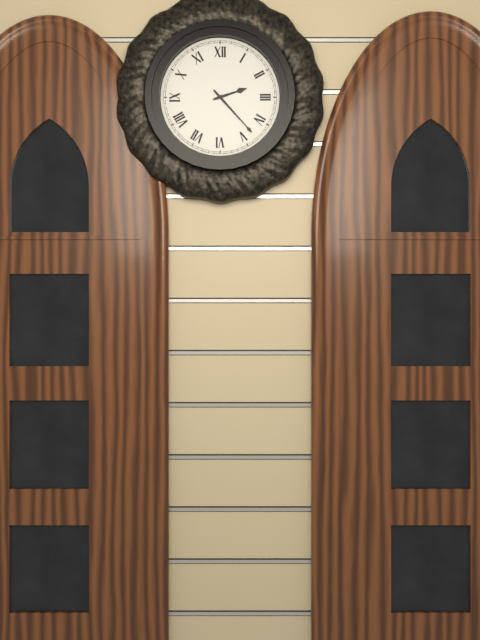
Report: 2.23
